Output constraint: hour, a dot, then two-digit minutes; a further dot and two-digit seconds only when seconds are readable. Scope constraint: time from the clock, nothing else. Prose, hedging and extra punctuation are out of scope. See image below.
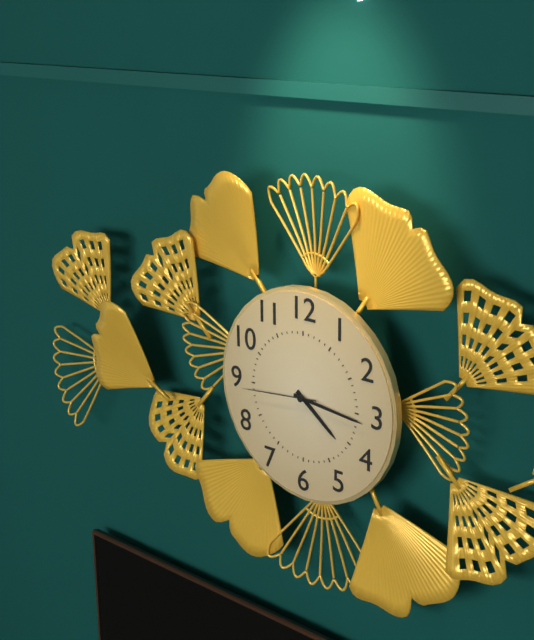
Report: 4.16.44
